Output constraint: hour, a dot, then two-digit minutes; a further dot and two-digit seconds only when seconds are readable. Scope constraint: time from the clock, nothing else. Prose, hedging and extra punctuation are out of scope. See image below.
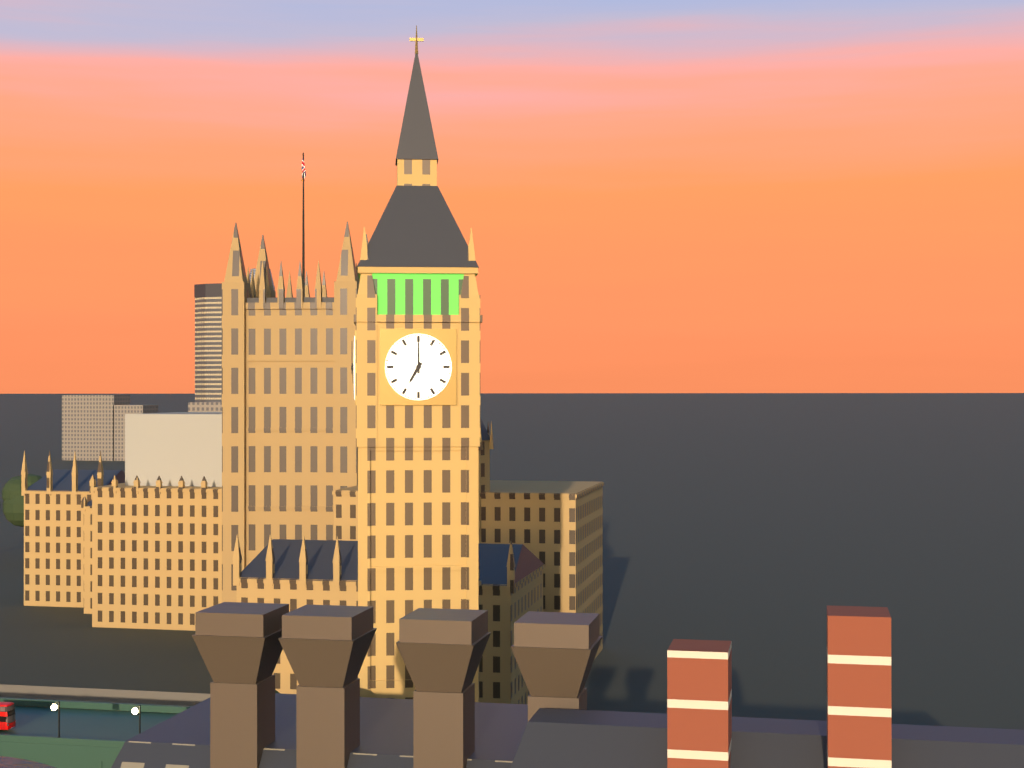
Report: 7.00
